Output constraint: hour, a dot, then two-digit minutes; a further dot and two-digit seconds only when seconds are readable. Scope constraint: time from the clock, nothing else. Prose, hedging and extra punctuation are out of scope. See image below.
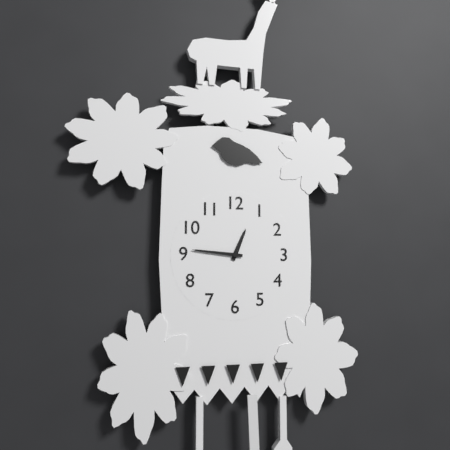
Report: 12.46
